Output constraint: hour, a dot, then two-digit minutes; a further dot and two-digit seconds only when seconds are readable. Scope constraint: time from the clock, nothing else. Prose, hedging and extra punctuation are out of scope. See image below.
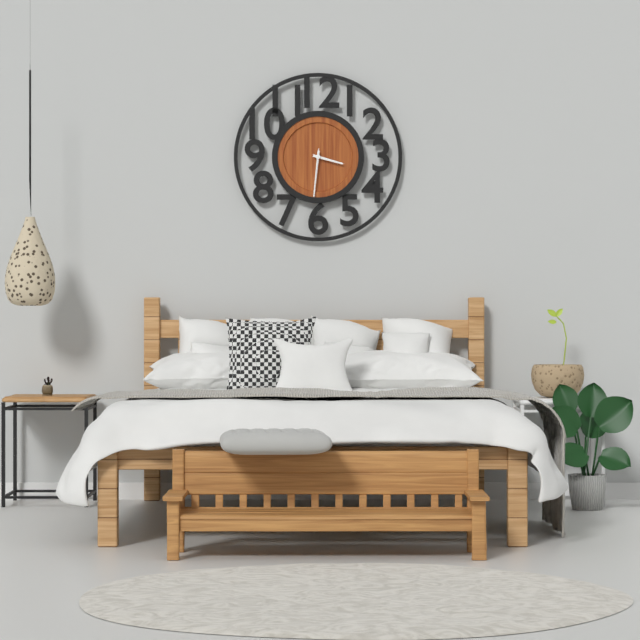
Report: 3.31
